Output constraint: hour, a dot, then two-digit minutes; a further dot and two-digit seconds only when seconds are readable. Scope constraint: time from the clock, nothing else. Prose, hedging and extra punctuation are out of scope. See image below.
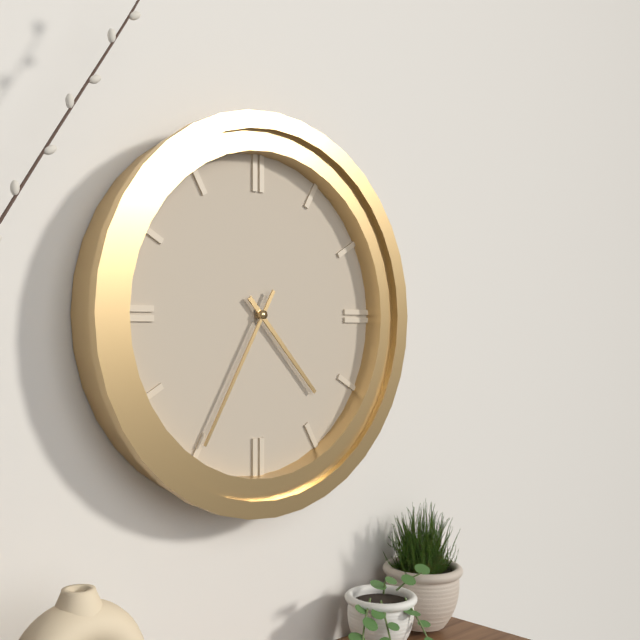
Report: 4.35
